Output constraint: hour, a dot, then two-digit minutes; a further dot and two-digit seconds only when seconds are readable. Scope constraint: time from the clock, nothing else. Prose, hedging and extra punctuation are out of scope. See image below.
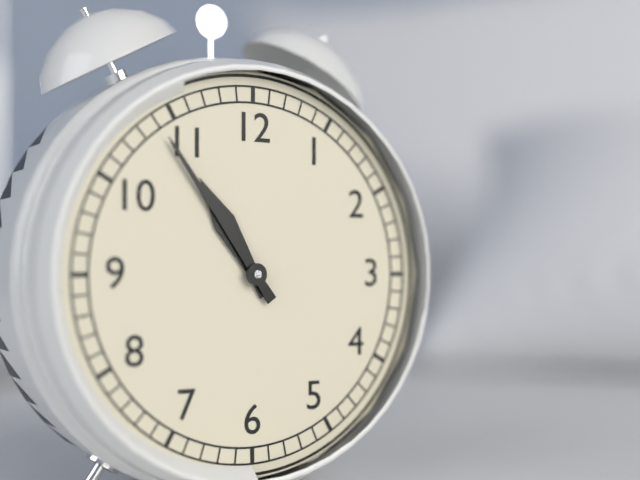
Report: 10.54
